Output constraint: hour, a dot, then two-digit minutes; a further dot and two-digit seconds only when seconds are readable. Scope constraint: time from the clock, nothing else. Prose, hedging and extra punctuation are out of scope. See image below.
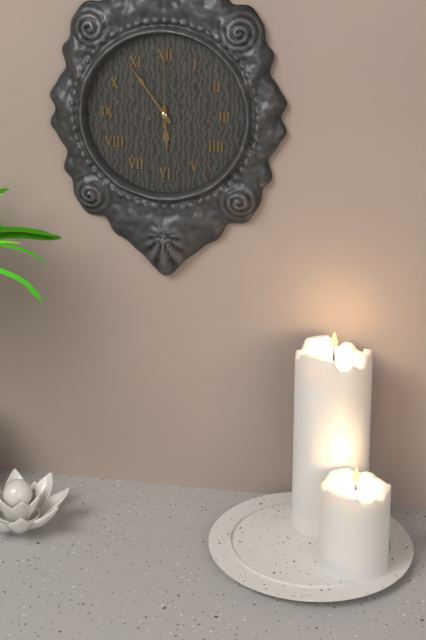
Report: 5.54.00
